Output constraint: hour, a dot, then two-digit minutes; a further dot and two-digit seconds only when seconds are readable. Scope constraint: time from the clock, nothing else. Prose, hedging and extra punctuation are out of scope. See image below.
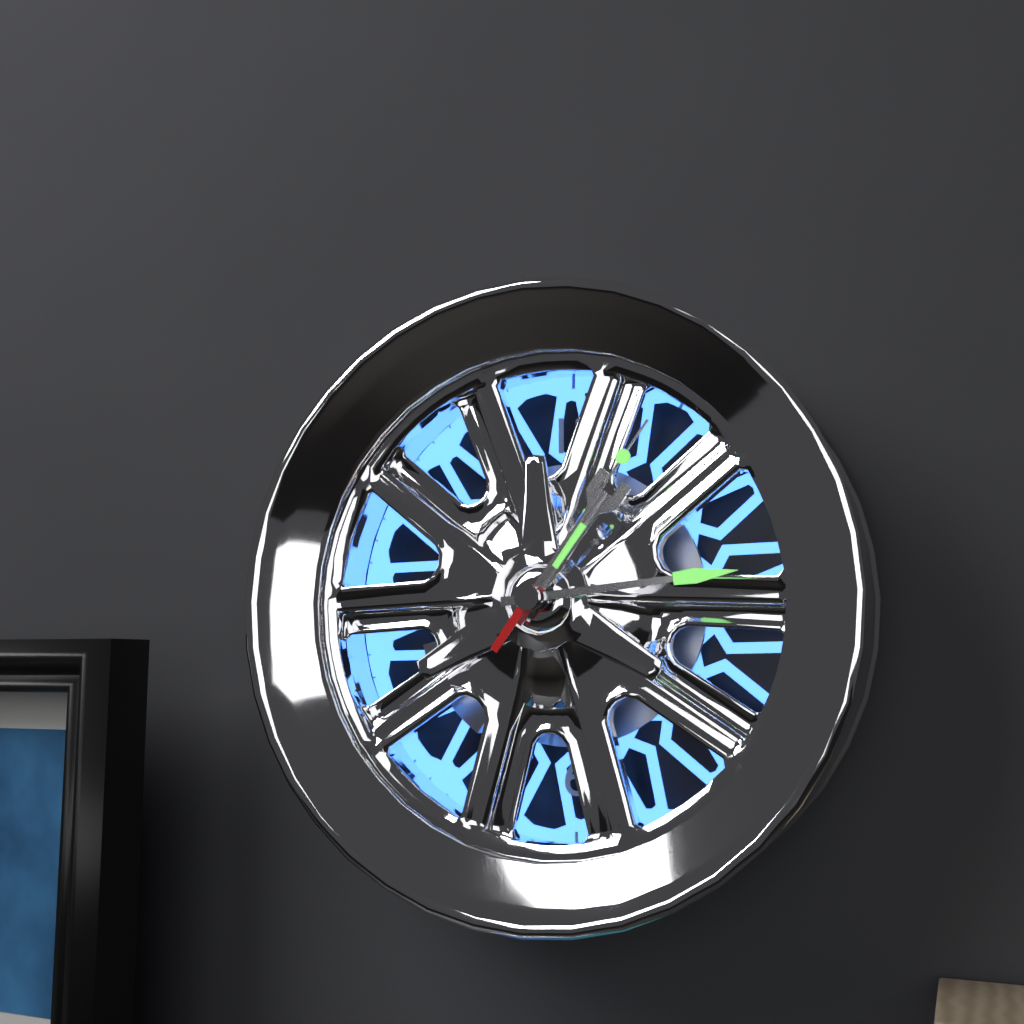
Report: 1.14.06
